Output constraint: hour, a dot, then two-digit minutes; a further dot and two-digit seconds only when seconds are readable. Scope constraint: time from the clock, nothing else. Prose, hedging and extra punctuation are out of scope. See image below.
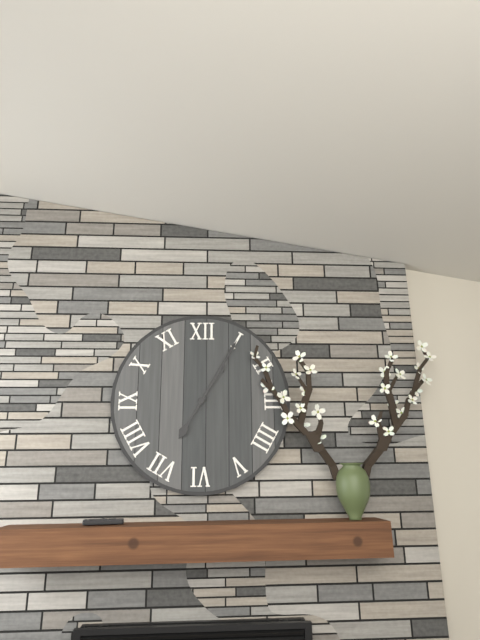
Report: 1.05
